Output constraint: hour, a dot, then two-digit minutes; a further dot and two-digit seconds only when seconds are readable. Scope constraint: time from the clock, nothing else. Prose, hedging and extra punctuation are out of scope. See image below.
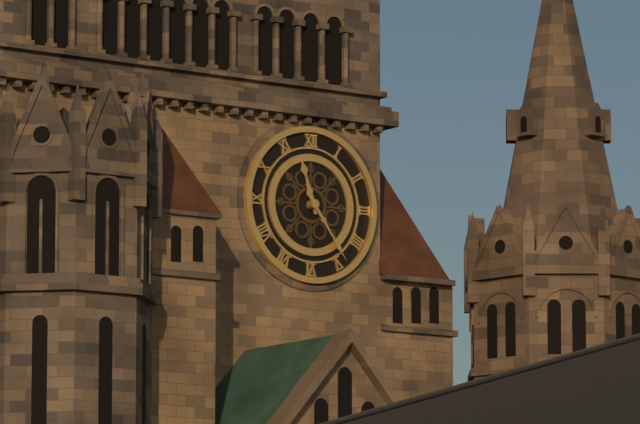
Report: 11.24
